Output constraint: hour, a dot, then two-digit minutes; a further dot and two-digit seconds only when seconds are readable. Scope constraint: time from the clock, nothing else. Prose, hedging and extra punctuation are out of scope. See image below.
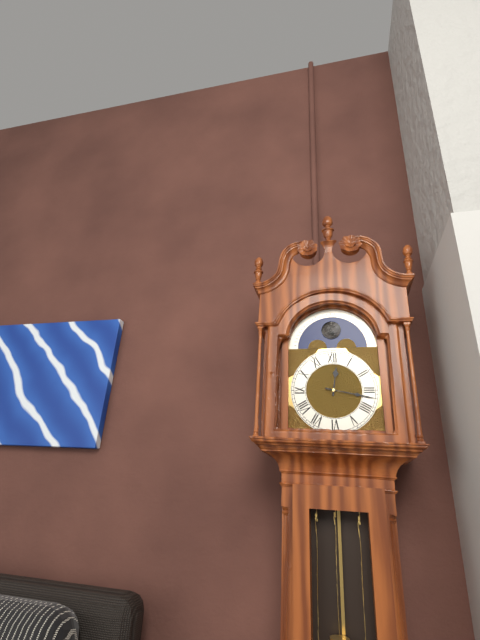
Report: 12.17
